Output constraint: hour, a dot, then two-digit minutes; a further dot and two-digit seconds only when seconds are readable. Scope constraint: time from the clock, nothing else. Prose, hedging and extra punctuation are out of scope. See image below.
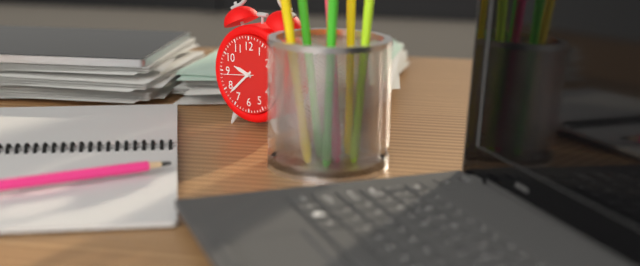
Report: 9.38
